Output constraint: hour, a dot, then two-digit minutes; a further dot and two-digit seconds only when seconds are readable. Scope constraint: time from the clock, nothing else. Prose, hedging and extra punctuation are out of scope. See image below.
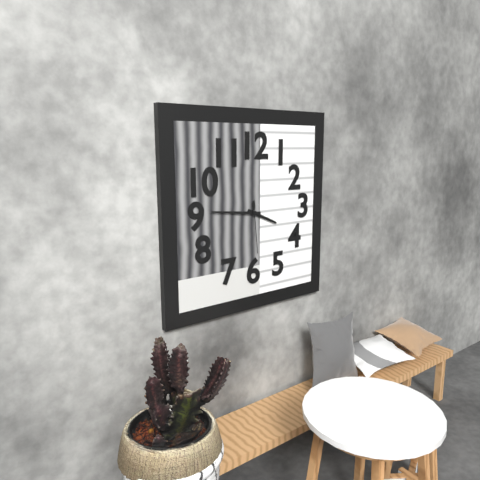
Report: 3.46.29
